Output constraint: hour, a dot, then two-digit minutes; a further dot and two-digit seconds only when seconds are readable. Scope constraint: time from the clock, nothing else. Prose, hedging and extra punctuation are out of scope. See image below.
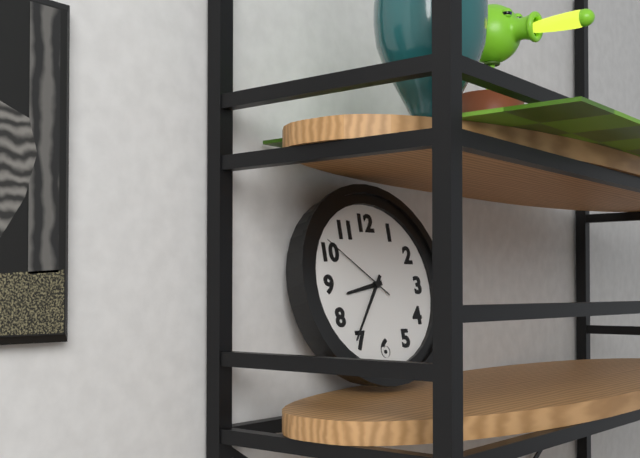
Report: 8.36.51
